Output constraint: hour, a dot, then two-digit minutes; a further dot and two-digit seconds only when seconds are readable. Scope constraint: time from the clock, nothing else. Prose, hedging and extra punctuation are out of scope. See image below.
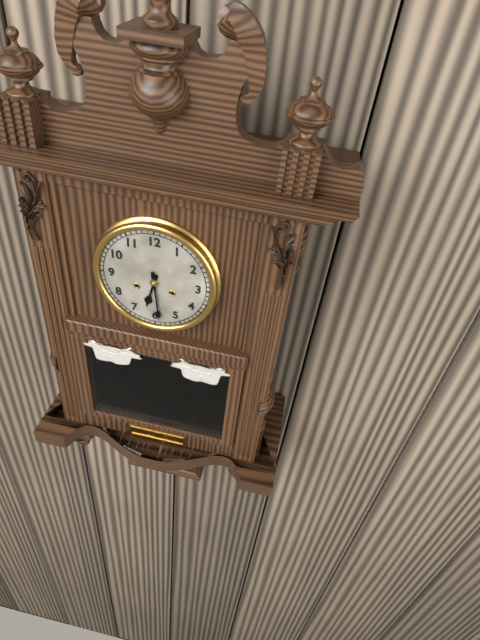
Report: 6.29
